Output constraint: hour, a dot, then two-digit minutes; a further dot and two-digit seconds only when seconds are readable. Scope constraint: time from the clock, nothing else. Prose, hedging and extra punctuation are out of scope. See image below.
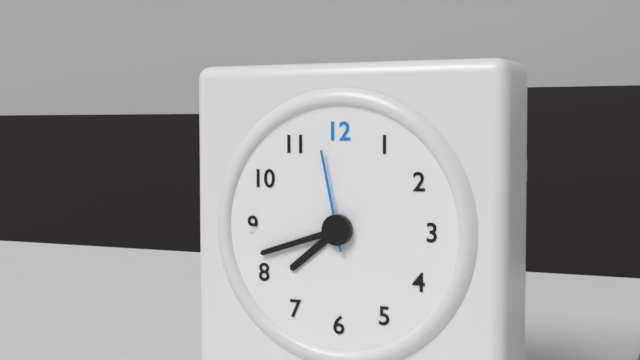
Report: 7.42.58
